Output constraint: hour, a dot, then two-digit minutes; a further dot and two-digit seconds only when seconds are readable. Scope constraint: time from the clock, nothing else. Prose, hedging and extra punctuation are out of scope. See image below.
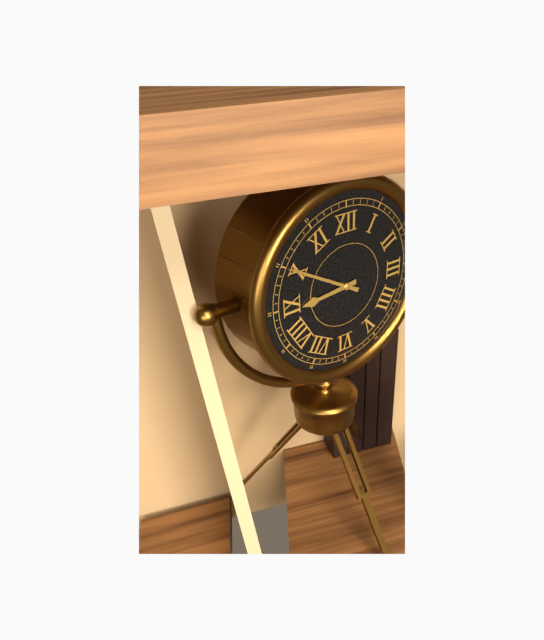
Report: 8.50
